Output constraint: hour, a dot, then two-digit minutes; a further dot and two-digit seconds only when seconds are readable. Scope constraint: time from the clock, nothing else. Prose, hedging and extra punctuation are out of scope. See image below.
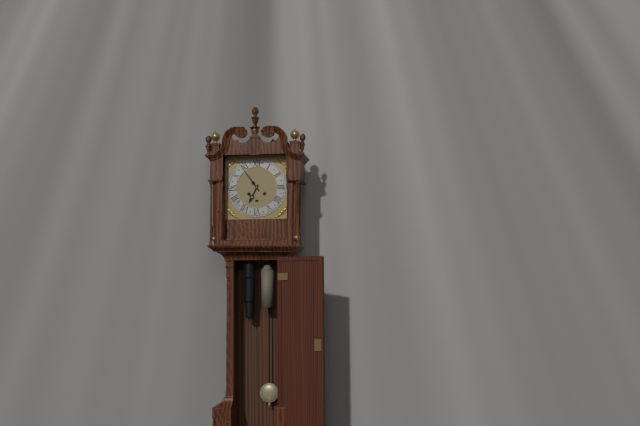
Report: 6.54
